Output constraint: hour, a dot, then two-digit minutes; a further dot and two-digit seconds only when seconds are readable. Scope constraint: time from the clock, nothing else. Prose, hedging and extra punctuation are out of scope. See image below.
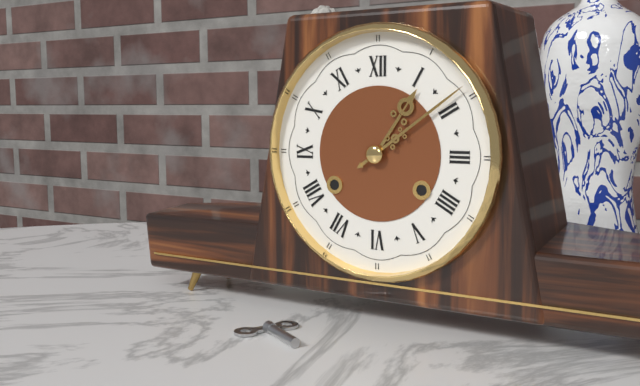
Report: 1.09
